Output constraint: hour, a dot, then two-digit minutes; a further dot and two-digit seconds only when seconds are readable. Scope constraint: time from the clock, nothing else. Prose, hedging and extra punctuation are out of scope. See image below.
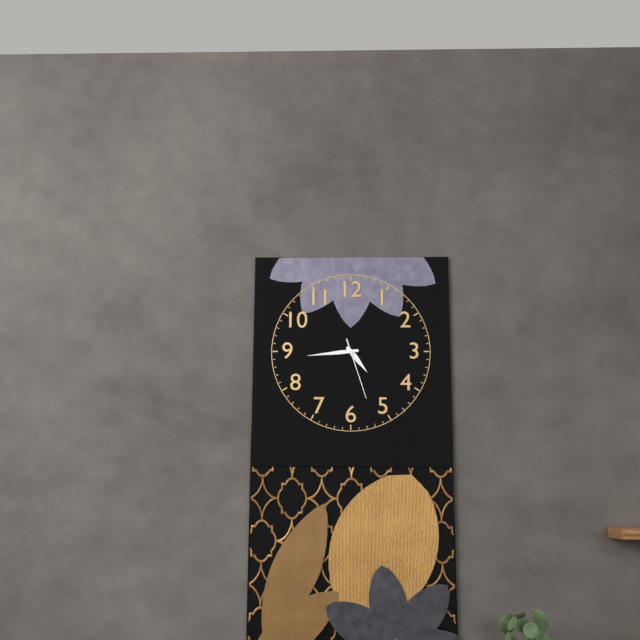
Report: 4.44.27
